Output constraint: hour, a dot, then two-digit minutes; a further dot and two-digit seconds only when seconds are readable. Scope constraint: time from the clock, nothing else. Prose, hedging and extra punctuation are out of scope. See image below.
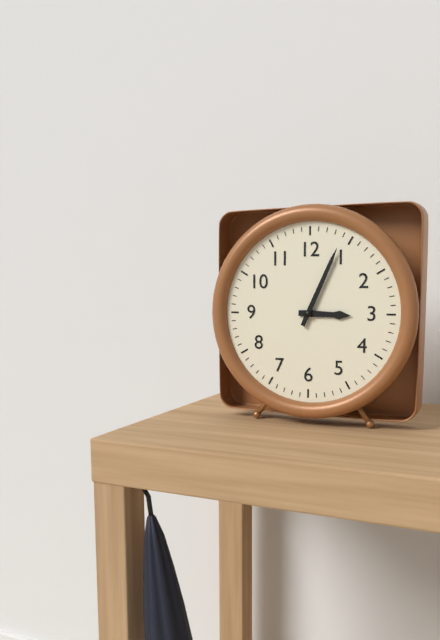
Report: 3.04
